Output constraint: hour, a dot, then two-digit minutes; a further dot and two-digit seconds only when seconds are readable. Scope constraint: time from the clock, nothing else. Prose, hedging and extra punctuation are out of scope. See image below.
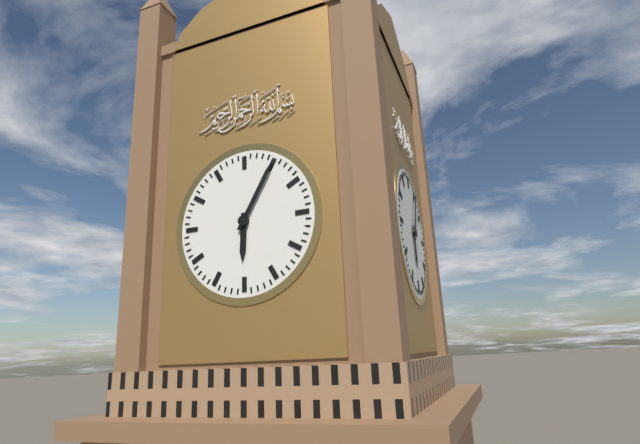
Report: 6.05
